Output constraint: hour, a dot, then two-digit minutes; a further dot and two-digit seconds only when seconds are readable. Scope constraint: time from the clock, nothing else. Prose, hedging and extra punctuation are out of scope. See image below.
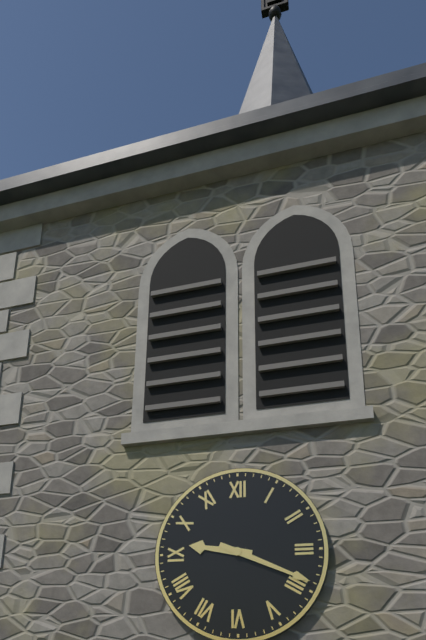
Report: 9.19
